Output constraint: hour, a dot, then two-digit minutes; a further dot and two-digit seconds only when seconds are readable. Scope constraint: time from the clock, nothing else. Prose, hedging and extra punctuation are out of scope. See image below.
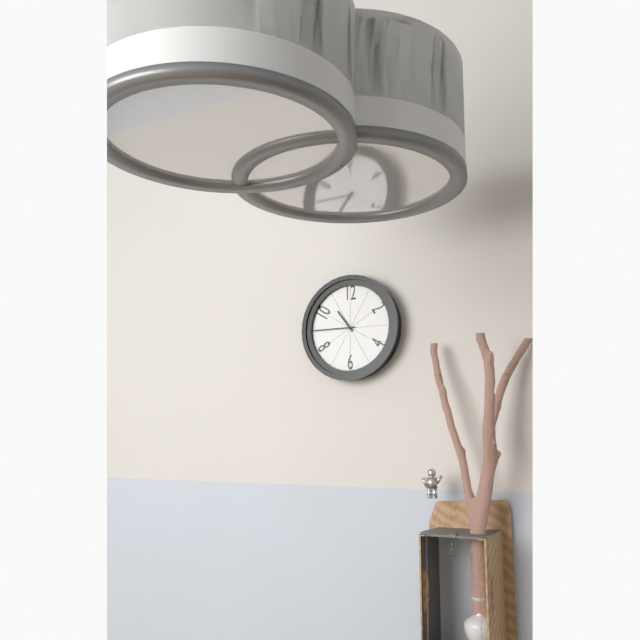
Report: 10.45
